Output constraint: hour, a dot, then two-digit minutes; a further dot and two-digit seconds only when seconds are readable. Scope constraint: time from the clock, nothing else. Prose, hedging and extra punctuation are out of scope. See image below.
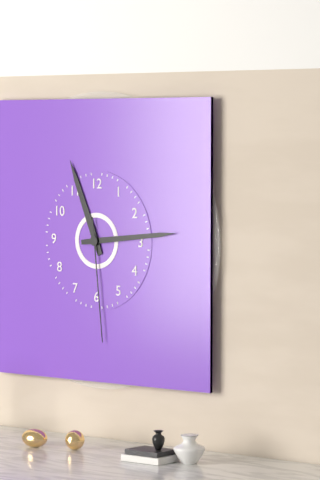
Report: 11.14.29
